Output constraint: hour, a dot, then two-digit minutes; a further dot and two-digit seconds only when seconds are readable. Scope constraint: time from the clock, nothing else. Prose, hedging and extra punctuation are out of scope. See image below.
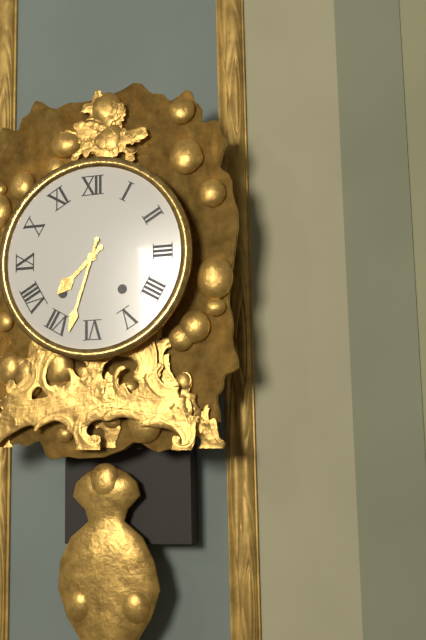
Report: 7.33
